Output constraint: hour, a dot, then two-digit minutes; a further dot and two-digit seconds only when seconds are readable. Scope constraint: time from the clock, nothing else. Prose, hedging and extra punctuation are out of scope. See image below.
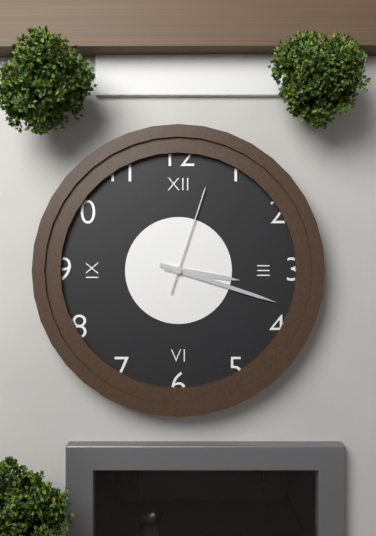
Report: 3.18.03
